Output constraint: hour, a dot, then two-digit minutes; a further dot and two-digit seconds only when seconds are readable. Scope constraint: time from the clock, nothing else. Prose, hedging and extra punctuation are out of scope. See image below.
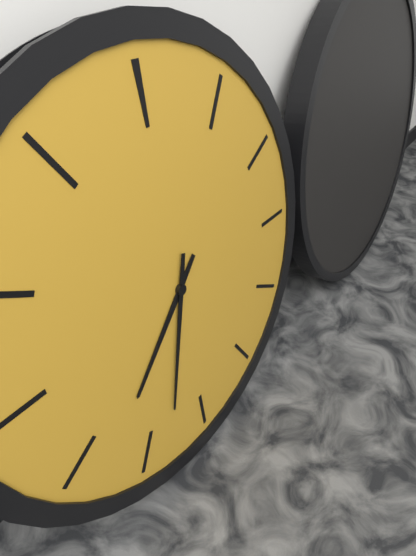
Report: 7.33
